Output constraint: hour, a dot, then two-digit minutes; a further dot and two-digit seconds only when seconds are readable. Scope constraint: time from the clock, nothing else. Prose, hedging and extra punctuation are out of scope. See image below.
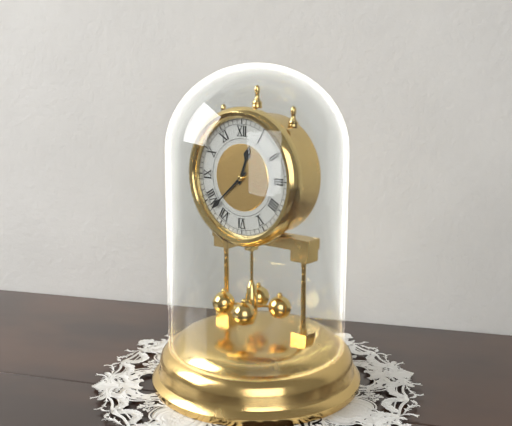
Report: 12.38
